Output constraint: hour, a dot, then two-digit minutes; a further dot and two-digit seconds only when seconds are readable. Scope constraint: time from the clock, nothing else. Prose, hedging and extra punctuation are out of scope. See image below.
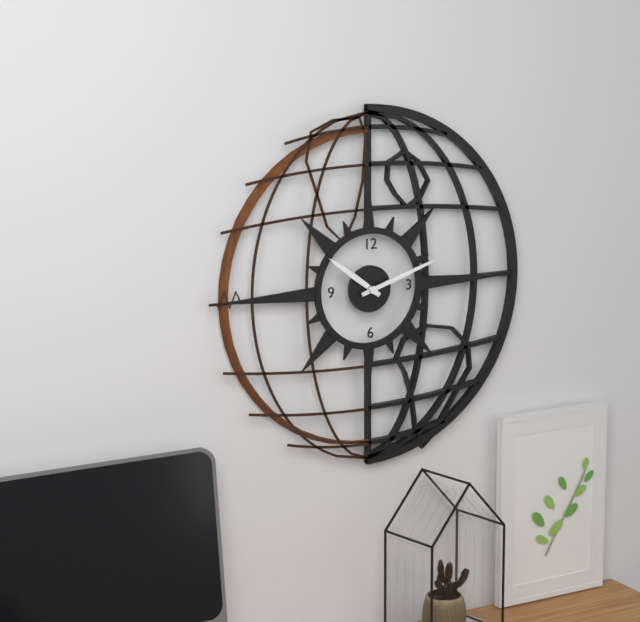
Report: 10.12
